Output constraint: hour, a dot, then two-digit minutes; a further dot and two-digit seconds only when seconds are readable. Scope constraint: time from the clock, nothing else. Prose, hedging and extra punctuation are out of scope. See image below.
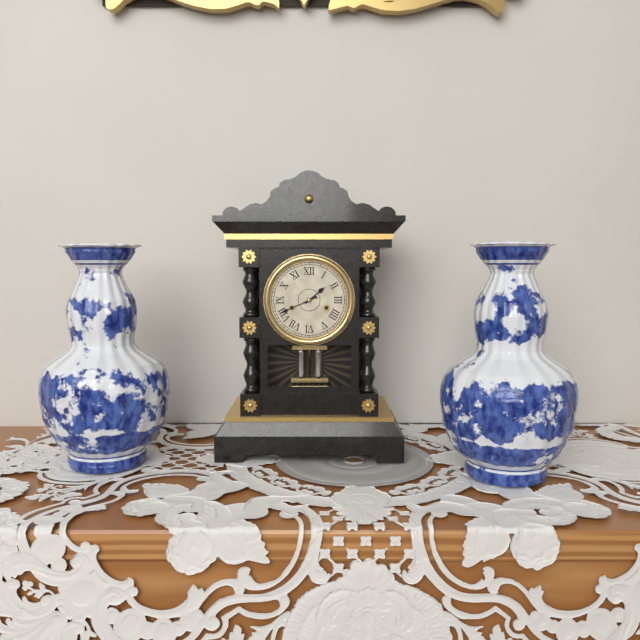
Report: 1.41
